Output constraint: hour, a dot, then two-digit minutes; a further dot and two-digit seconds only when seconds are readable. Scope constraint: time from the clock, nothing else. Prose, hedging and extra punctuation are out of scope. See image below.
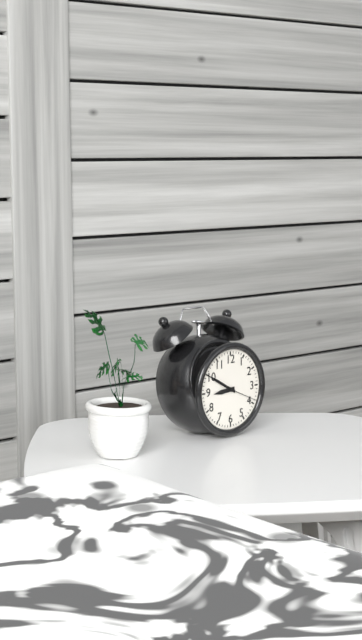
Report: 8.50
